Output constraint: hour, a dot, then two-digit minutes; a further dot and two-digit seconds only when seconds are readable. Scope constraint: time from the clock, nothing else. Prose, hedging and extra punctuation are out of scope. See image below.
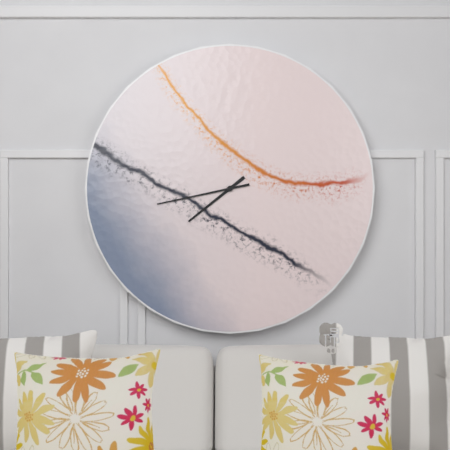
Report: 7.43
